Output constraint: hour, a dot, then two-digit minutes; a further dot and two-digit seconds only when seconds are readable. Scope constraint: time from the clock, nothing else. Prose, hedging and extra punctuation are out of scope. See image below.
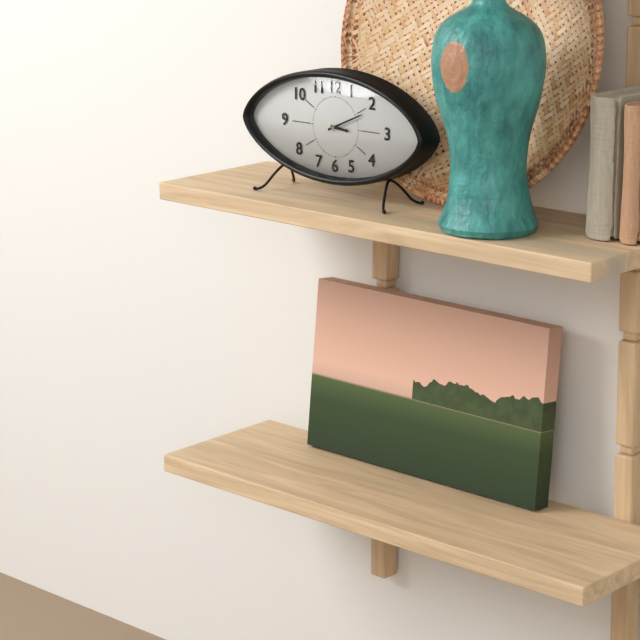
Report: 3.11
